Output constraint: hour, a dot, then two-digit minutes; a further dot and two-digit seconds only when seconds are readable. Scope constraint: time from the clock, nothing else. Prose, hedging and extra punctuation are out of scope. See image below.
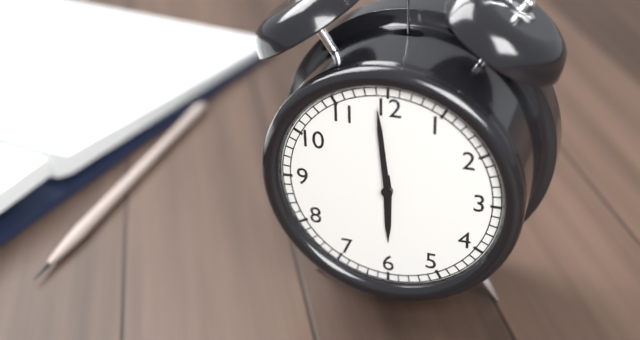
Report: 5.59
